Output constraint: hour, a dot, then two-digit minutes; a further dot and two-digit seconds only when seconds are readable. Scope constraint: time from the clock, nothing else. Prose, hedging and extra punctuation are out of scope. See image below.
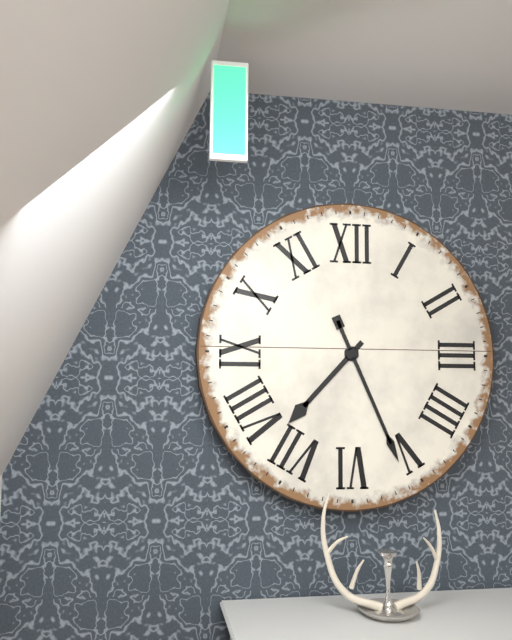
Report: 7.26
